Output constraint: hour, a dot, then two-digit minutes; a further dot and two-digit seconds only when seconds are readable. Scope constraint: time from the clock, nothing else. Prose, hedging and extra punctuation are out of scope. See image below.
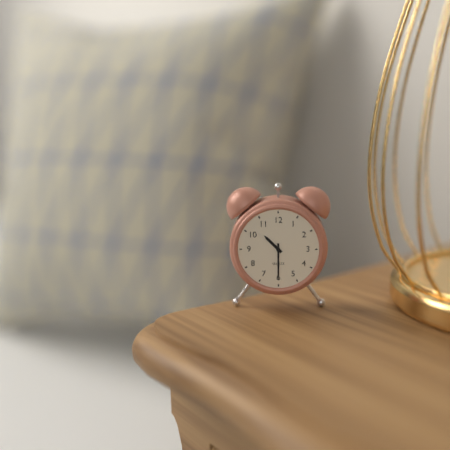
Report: 10.30
